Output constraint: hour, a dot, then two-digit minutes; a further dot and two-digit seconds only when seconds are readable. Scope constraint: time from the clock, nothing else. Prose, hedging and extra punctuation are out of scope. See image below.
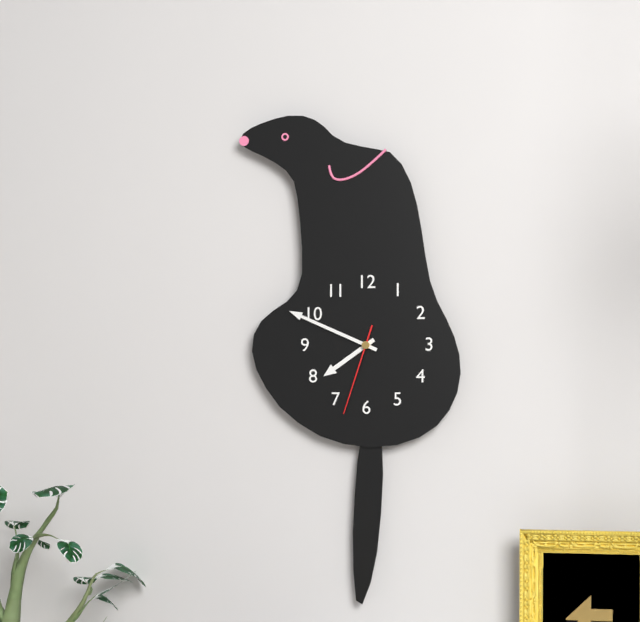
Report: 7.49.33
